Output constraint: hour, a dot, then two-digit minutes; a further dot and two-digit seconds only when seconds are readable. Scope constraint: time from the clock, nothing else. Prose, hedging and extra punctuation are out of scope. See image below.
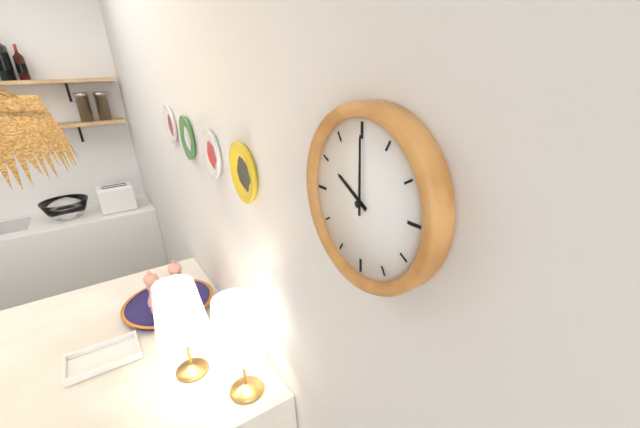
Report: 10.00
